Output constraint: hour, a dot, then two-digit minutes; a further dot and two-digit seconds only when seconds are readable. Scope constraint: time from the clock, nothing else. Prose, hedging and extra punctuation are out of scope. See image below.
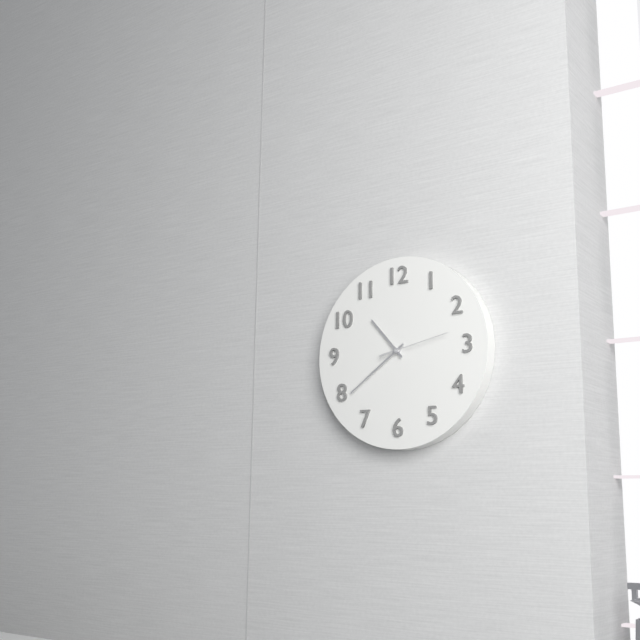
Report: 10.39.13
